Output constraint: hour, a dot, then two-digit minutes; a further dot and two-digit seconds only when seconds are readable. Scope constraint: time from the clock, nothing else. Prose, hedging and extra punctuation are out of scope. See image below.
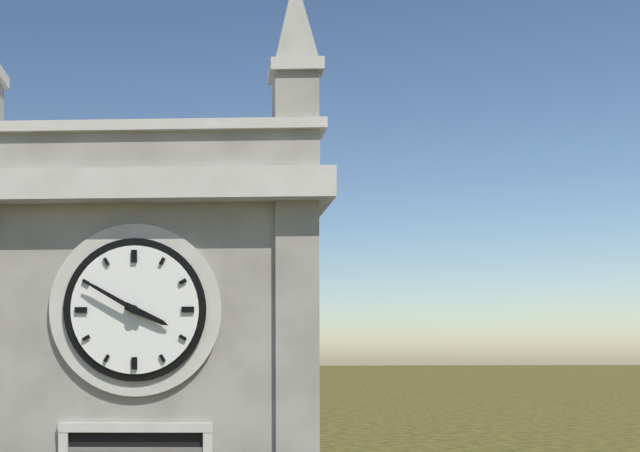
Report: 3.50
